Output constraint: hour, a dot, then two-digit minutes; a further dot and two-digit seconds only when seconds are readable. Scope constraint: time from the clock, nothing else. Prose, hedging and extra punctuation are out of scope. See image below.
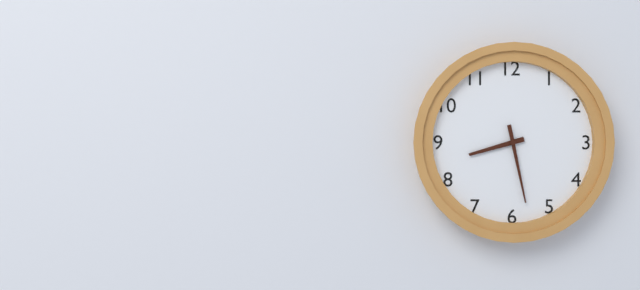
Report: 8.28
